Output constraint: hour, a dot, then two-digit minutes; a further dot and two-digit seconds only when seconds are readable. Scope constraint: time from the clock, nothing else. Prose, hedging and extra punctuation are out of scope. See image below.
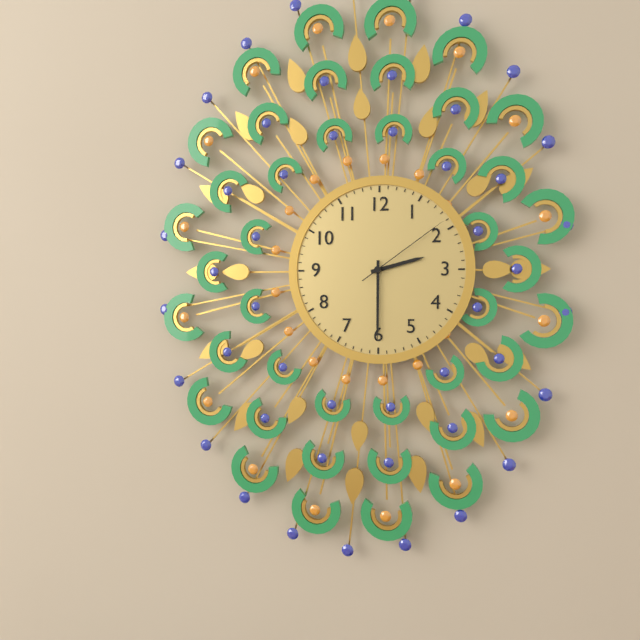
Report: 2.30.09
